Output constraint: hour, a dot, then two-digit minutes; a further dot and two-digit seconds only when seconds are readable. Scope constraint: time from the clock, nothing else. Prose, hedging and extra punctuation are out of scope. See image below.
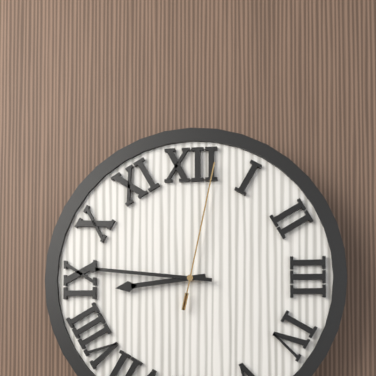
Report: 8.46.02
